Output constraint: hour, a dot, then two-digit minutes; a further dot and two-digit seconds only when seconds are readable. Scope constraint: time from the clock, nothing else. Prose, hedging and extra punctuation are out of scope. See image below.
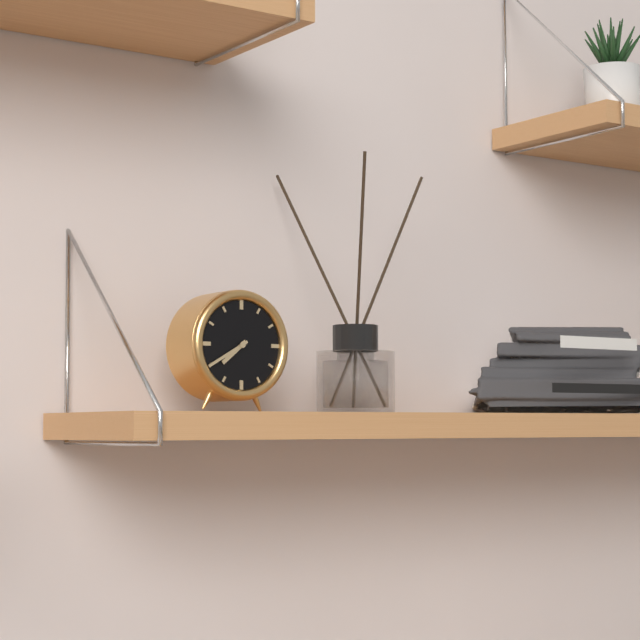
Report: 7.40
